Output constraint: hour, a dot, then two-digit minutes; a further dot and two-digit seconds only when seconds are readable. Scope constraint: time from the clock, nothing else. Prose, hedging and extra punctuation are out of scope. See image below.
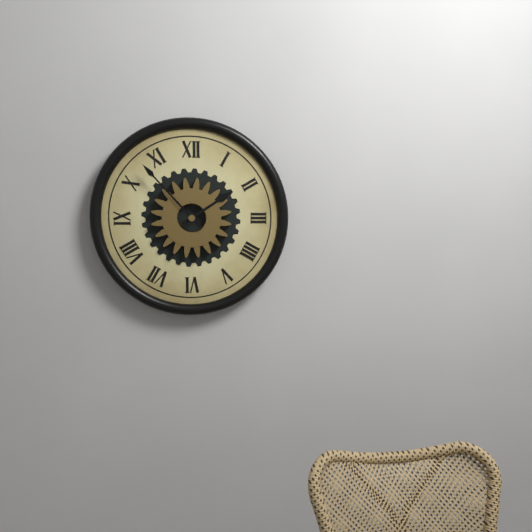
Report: 1.53
